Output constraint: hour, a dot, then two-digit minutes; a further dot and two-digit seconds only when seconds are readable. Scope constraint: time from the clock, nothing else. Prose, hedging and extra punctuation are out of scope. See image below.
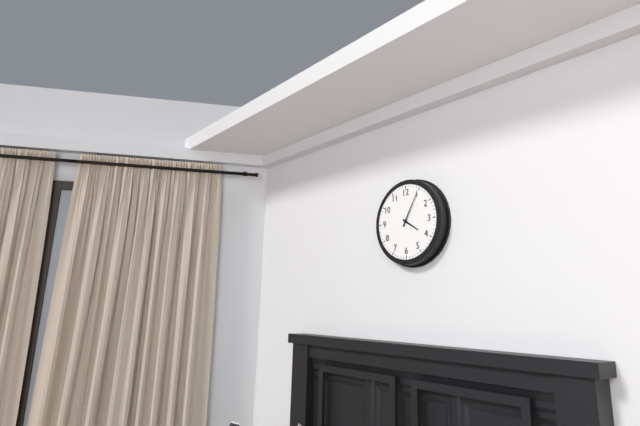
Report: 4.05
